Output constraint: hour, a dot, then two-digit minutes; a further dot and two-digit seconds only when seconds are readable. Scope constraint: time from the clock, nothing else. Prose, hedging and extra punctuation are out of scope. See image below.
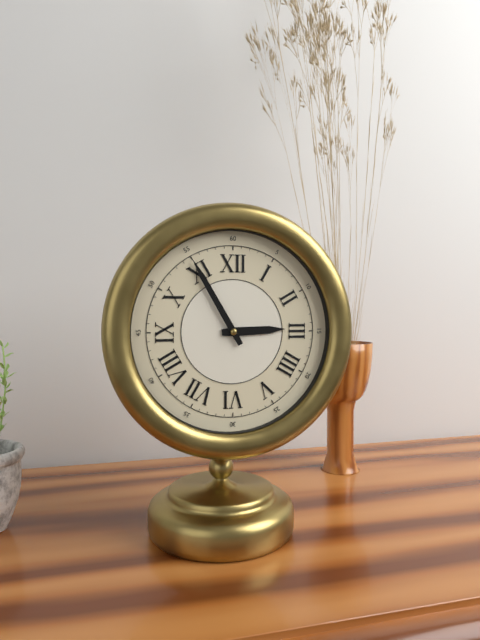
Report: 2.55
